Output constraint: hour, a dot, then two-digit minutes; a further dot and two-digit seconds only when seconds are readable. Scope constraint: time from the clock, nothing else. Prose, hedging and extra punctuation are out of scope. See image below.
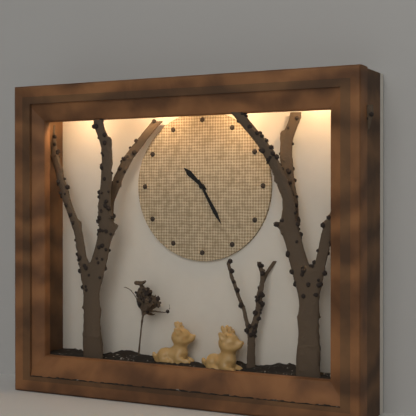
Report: 10.25
